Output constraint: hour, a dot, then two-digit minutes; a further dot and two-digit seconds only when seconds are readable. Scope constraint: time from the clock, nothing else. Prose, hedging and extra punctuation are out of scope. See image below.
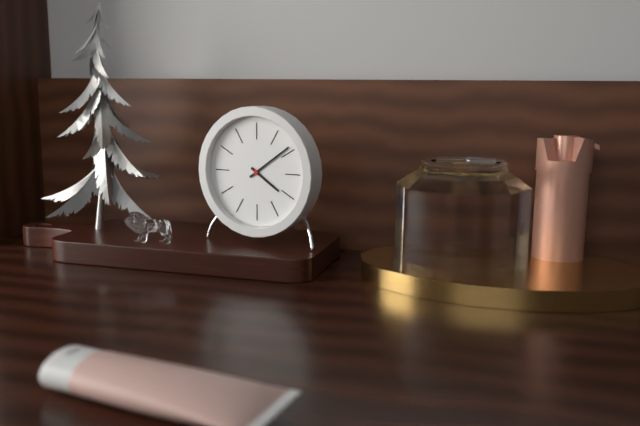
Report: 4.09
